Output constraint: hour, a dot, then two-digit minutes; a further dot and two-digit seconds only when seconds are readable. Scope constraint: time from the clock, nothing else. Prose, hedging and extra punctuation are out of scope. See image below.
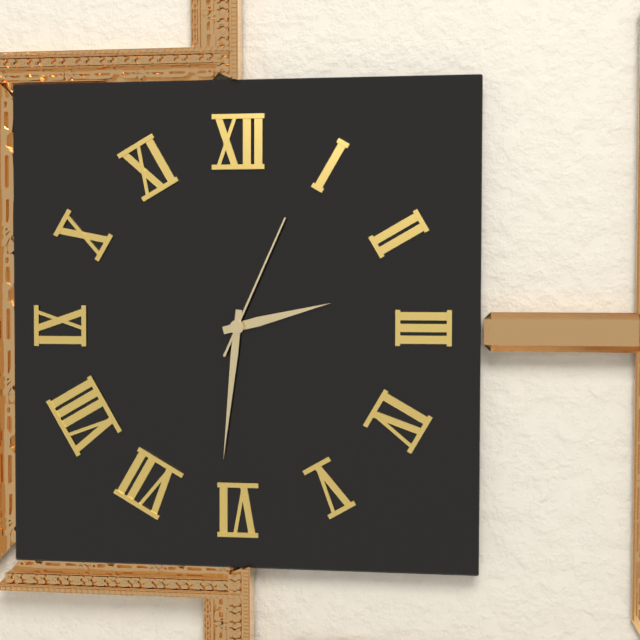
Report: 2.31.04
